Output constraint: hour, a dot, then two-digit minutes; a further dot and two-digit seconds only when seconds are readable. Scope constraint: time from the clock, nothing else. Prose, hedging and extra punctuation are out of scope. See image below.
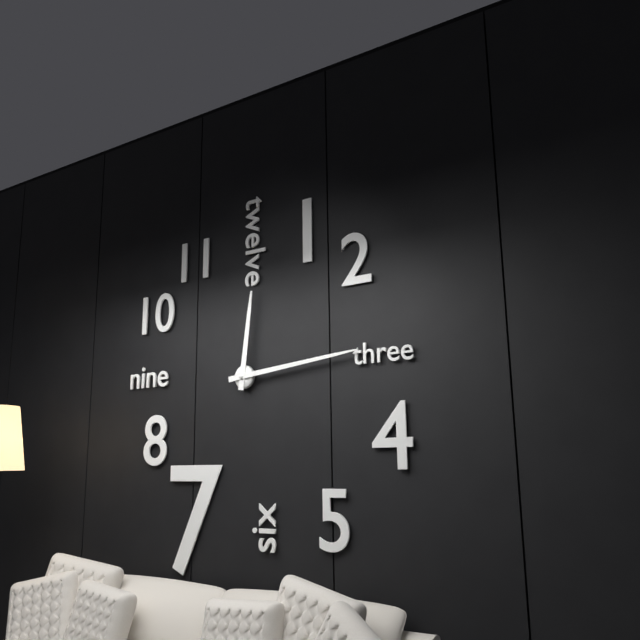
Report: 12.14
